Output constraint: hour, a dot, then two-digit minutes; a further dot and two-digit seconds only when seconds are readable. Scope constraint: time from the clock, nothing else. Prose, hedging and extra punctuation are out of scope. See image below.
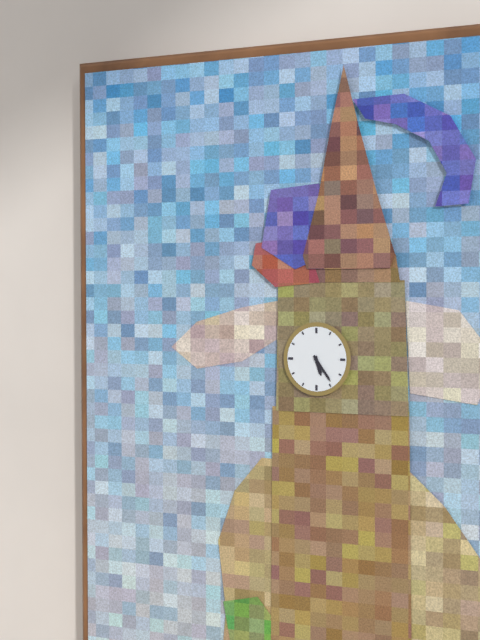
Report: 5.24
